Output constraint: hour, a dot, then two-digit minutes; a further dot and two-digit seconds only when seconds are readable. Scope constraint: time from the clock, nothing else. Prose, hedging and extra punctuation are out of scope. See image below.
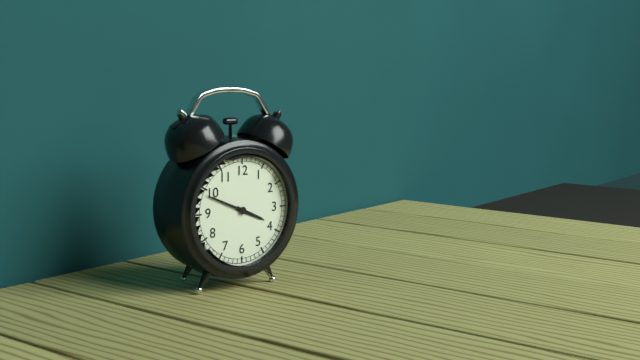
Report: 3.49
